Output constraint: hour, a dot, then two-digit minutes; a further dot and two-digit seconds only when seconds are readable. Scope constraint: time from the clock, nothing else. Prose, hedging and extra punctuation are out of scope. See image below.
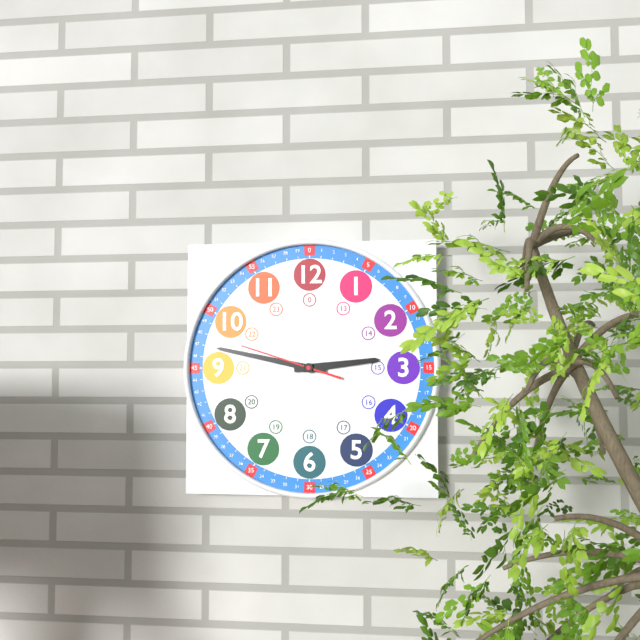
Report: 2.47.48
